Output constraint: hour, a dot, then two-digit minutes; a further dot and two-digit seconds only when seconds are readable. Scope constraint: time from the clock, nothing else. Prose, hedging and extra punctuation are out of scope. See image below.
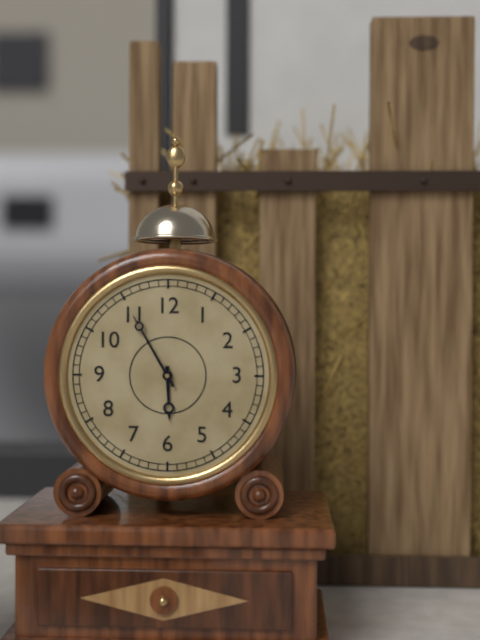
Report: 5.55
